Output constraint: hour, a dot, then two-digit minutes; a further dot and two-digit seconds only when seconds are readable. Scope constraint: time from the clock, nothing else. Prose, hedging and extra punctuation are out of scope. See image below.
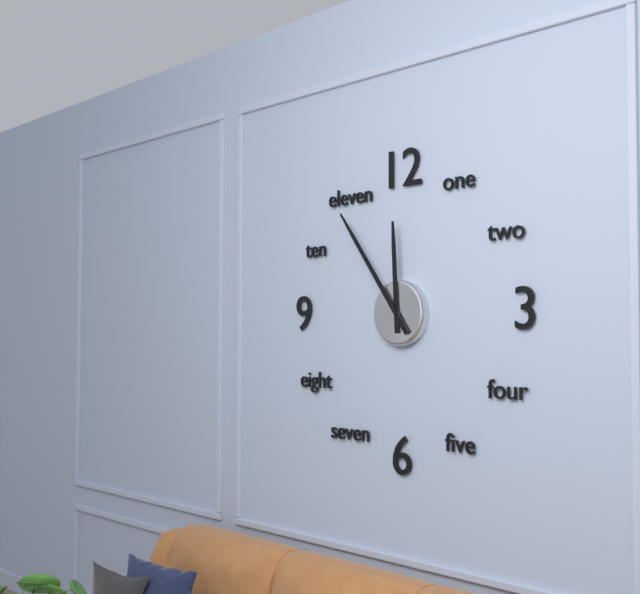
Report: 11.54
